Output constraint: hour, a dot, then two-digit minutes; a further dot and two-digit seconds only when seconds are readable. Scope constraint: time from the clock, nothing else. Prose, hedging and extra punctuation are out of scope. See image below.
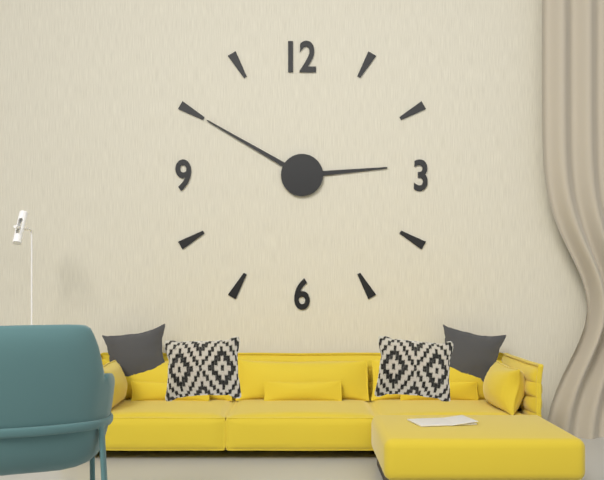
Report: 2.50
